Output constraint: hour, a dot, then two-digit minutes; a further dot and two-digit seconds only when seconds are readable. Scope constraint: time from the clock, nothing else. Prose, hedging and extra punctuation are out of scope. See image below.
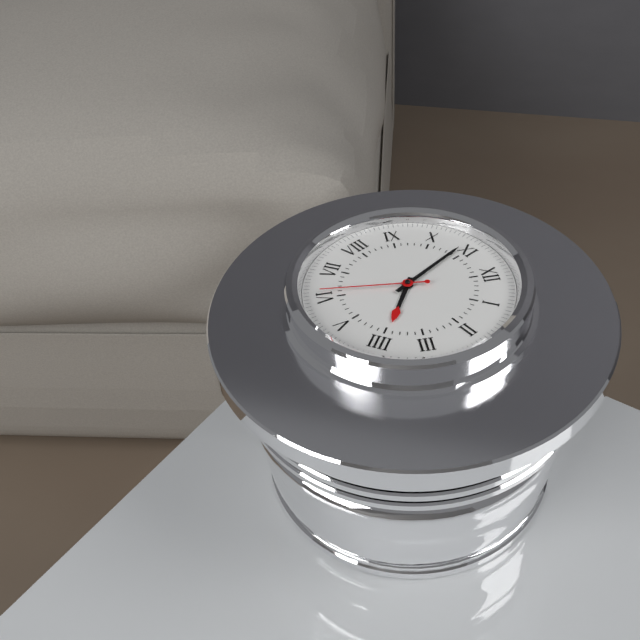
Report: 3.54.31
